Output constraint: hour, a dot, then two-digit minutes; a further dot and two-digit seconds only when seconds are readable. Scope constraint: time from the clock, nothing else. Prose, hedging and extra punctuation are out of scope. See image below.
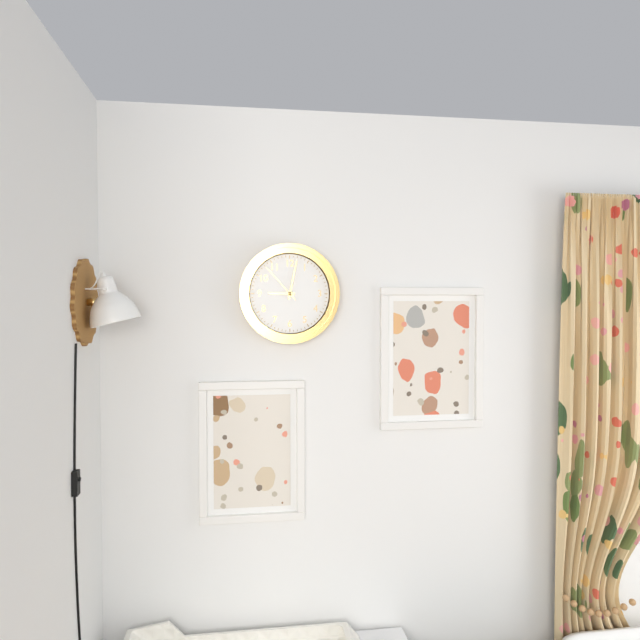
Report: 9.02
